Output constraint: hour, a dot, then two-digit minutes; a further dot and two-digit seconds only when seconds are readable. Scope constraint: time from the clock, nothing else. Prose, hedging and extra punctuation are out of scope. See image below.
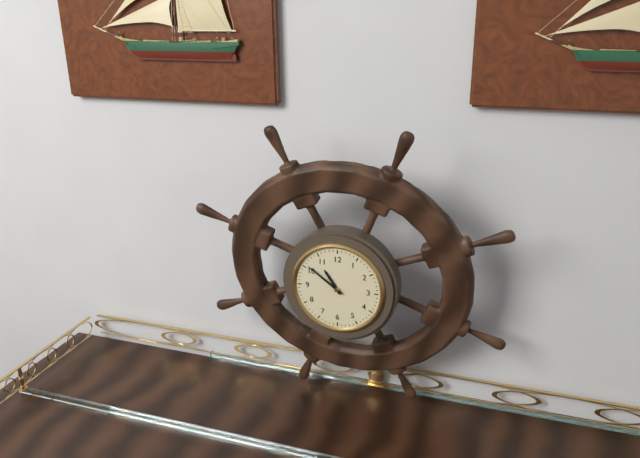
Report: 10.51
